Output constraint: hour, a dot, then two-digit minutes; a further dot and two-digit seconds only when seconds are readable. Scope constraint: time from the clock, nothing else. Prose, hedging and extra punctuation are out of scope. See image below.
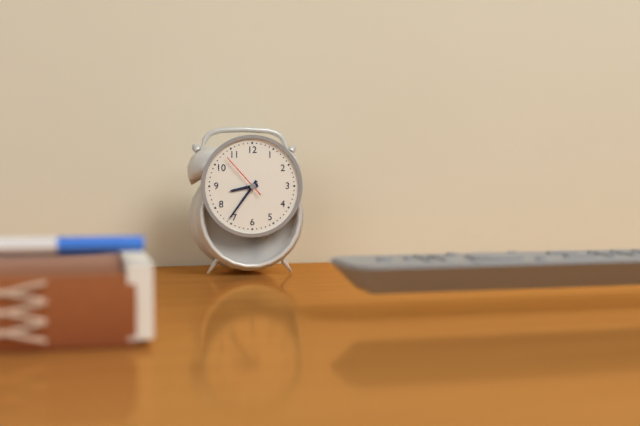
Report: 8.36
